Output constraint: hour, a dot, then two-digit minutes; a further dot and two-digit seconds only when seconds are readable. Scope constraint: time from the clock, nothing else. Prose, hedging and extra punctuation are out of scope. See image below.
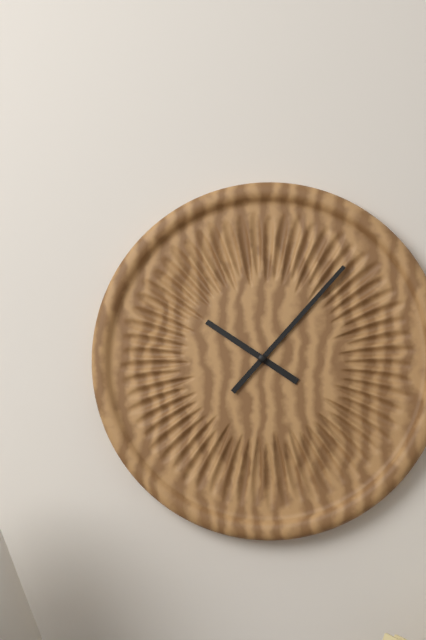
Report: 10.07
